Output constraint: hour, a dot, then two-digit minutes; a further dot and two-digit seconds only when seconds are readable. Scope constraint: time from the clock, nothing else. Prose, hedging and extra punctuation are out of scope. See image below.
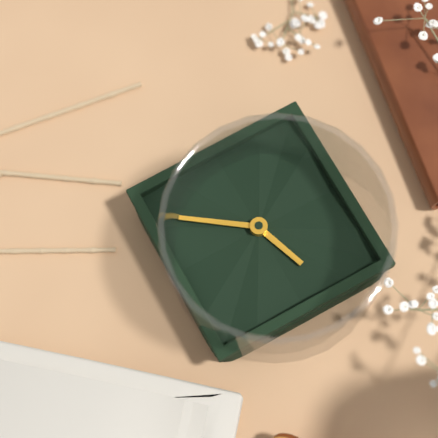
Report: 11.21
